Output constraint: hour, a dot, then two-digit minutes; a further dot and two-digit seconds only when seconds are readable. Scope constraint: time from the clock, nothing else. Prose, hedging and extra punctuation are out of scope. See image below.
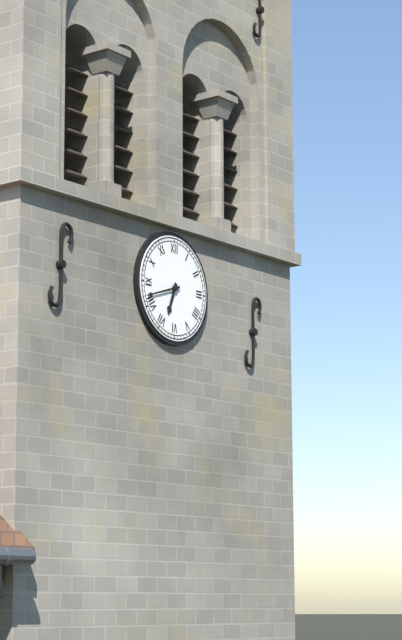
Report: 6.42
